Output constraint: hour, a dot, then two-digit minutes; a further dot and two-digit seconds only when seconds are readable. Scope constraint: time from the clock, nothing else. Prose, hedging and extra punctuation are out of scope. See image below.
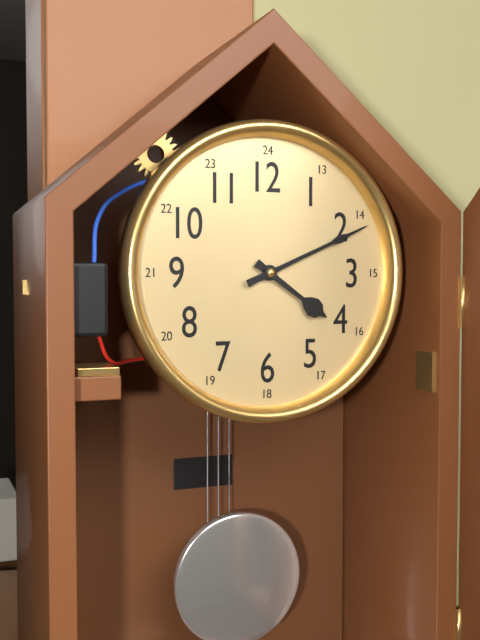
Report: 4.11
